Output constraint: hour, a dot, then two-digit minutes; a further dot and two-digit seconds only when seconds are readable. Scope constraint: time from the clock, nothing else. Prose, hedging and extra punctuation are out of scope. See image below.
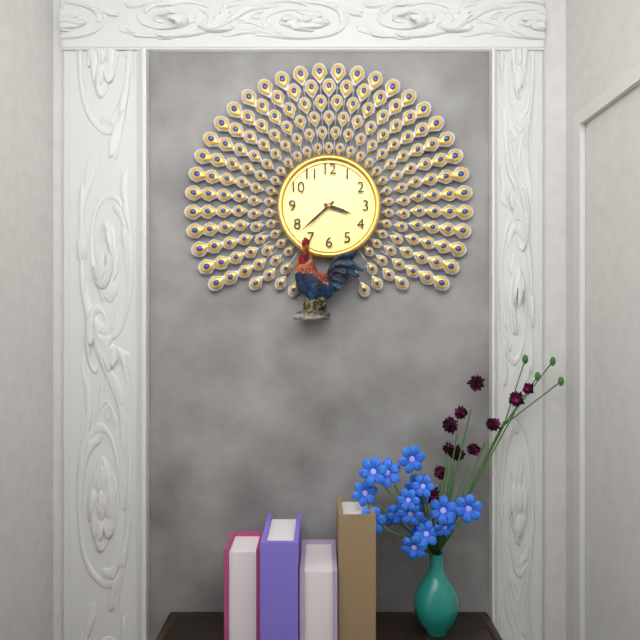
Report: 3.38
